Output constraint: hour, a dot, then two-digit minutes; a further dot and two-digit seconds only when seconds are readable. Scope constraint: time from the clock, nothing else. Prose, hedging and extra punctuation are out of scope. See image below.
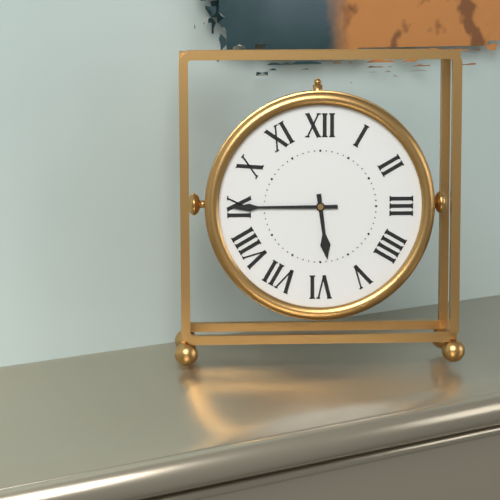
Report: 5.45
